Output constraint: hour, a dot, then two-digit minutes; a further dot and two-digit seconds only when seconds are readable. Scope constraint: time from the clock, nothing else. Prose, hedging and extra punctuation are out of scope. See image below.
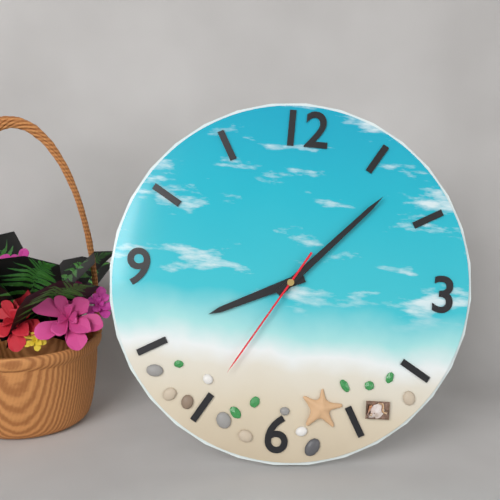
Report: 8.07.35
